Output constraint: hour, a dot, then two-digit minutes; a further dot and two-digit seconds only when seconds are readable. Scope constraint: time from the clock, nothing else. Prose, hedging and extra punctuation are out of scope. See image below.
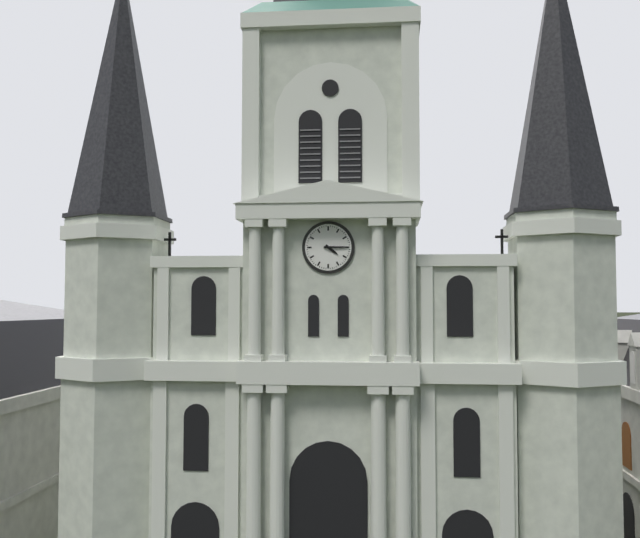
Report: 4.15
